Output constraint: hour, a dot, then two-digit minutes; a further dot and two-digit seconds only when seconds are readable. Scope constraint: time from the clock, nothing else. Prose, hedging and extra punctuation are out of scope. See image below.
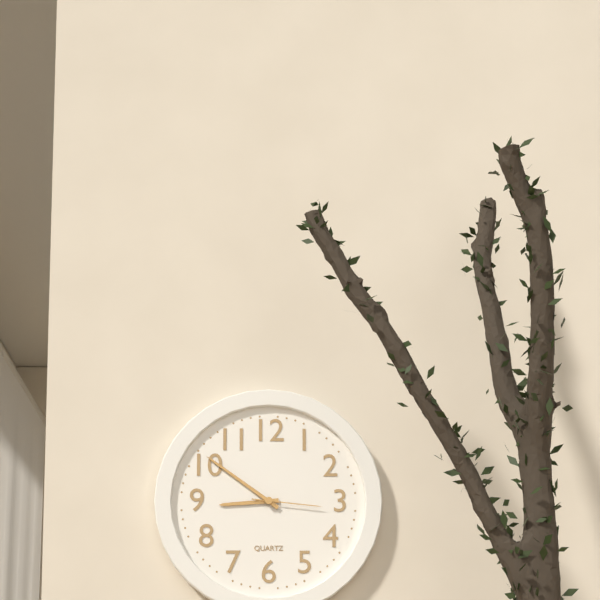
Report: 8.51.16
